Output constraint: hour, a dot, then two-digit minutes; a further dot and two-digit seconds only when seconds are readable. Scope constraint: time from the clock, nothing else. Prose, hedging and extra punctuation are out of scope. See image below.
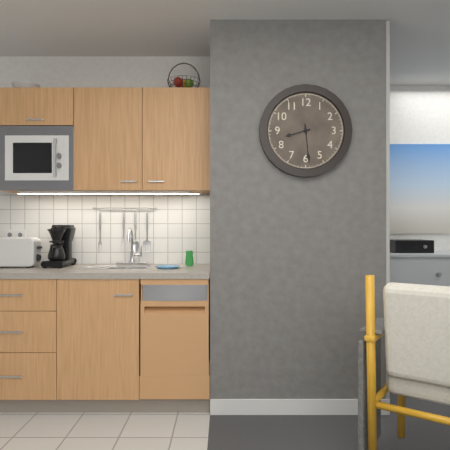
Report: 8.29
